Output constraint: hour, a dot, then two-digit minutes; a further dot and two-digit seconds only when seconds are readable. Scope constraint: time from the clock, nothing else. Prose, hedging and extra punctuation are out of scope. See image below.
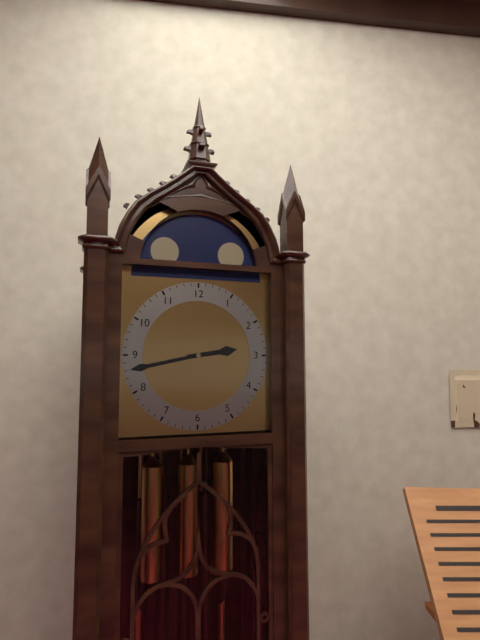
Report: 2.43
